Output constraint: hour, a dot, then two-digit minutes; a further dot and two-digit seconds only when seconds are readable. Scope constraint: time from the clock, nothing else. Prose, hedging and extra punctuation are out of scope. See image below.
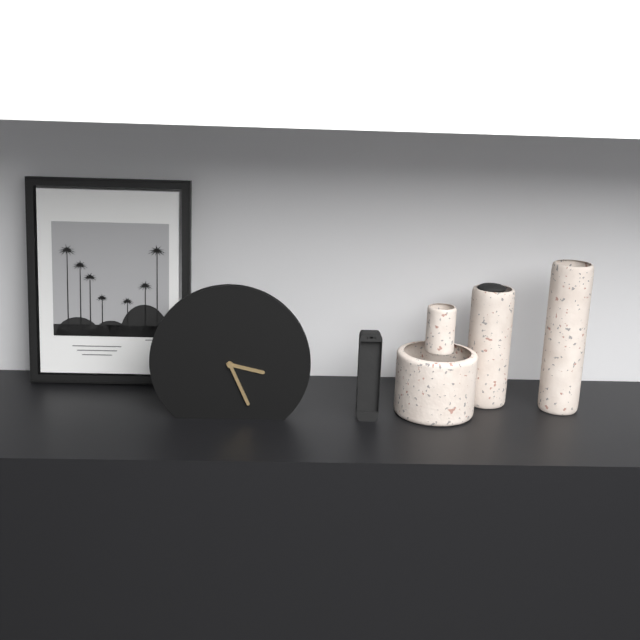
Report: 3.26
